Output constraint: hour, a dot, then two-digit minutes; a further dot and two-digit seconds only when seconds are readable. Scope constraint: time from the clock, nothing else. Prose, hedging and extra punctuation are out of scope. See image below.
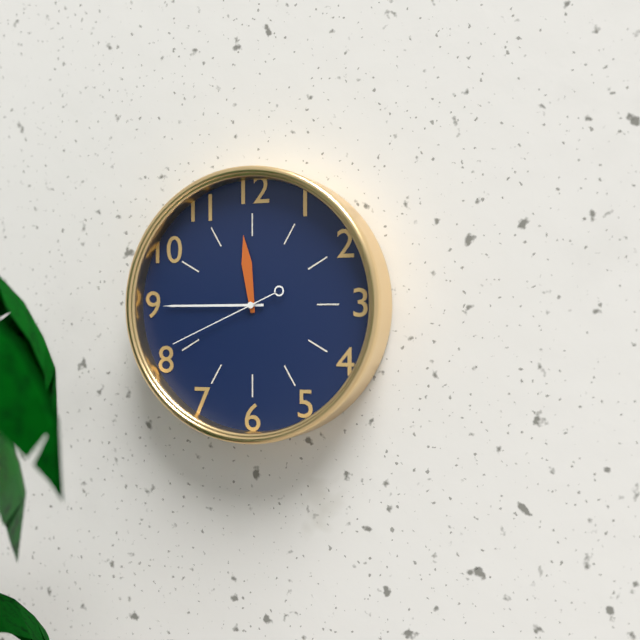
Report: 11.45.41
